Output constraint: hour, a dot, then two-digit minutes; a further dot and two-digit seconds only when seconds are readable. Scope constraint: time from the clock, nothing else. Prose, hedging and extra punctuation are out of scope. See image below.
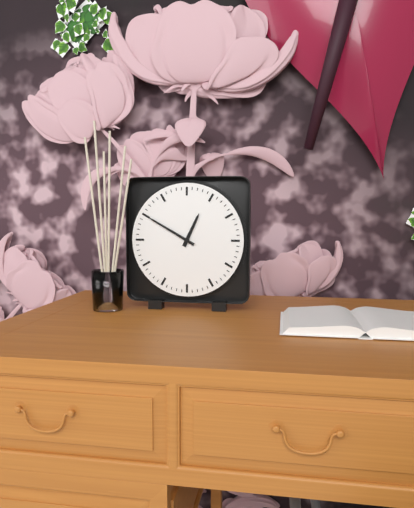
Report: 12.50
